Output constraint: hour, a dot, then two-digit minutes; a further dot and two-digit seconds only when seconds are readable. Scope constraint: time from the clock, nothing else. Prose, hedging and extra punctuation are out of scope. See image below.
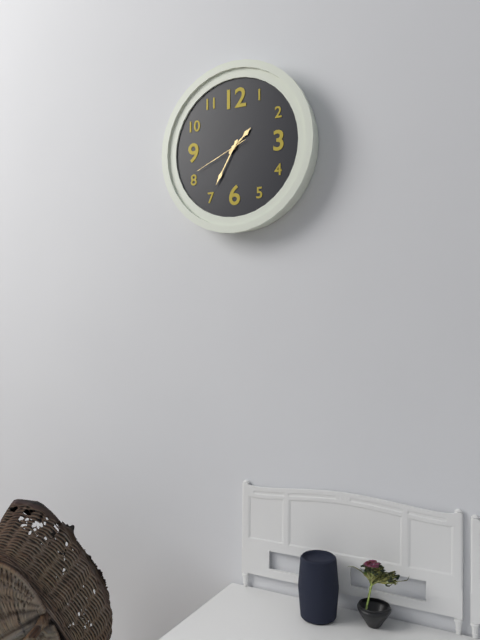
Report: 1.35.41
